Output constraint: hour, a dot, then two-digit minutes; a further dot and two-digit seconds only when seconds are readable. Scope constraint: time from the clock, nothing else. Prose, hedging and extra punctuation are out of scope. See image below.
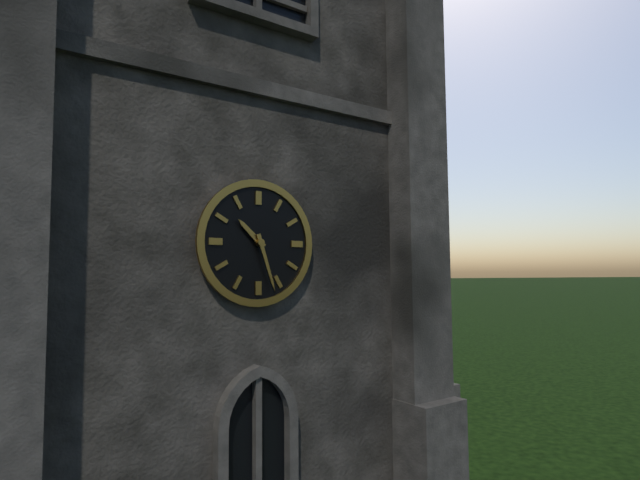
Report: 10.27
